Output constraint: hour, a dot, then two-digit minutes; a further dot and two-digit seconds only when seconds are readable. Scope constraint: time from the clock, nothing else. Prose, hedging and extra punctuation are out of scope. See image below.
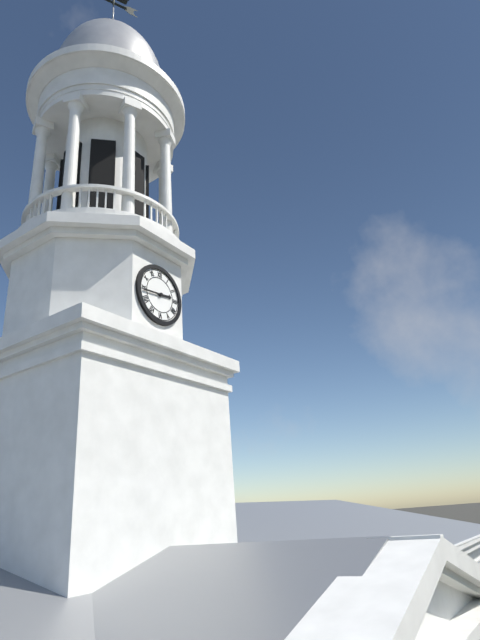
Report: 2.44
